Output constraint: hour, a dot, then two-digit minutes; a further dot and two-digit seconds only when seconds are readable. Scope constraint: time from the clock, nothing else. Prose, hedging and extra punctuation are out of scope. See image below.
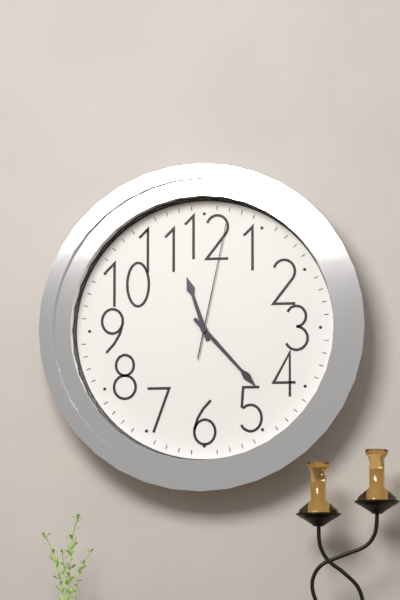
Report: 11.23.02
